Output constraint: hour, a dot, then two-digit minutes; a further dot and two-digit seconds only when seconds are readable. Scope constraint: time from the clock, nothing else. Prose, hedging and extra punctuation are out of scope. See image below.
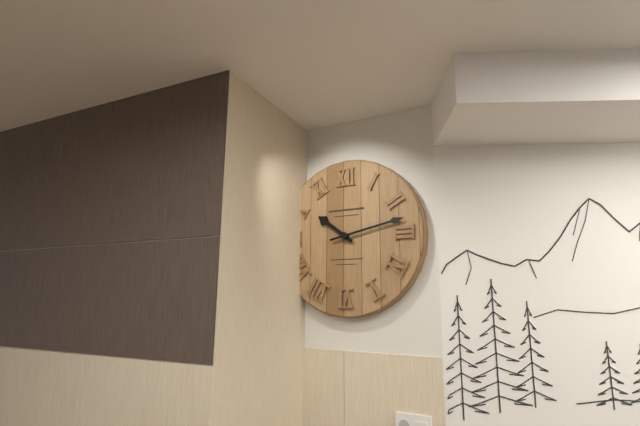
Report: 10.13
